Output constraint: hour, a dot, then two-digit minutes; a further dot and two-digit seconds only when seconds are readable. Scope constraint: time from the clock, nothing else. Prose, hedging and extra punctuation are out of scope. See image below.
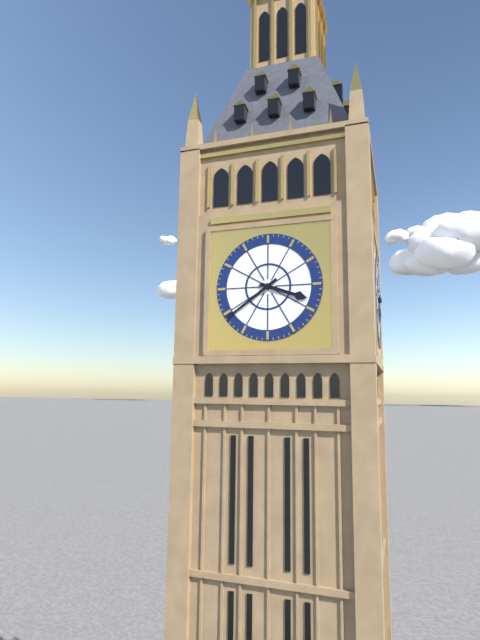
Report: 3.39
